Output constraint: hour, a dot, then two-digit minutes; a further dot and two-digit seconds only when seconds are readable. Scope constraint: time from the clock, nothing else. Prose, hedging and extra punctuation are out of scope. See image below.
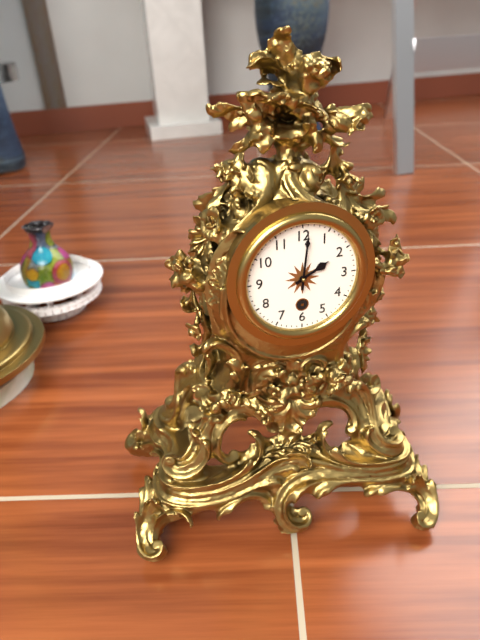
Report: 2.01
